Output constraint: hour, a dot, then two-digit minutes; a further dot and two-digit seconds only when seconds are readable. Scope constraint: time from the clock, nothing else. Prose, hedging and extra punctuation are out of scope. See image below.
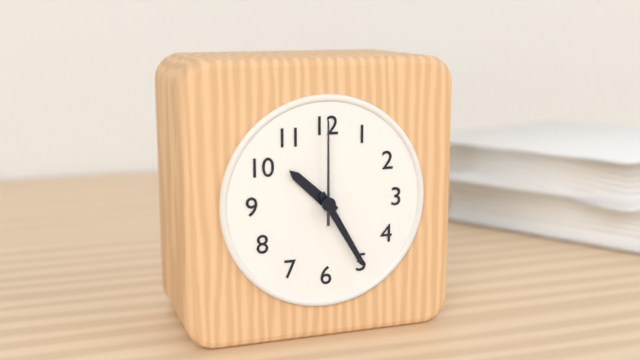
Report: 10.25.00
